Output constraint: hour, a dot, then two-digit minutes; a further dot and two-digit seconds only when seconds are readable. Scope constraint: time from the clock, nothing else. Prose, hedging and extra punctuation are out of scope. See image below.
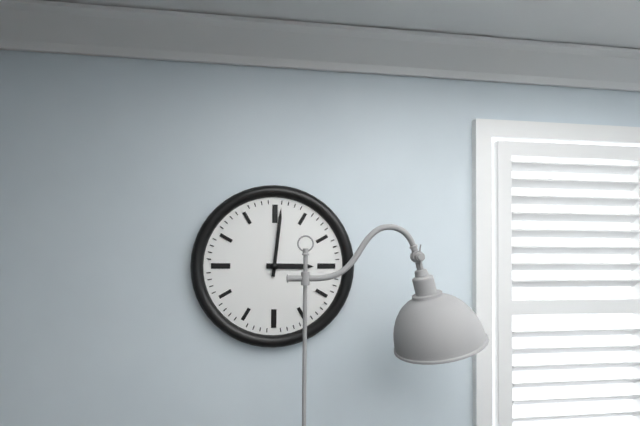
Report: 3.01
